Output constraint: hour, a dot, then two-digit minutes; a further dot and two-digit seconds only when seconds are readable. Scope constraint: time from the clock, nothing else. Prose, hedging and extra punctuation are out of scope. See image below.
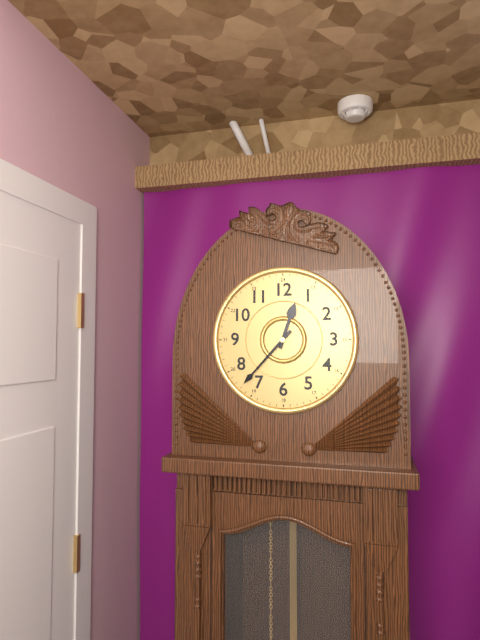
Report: 12.37
